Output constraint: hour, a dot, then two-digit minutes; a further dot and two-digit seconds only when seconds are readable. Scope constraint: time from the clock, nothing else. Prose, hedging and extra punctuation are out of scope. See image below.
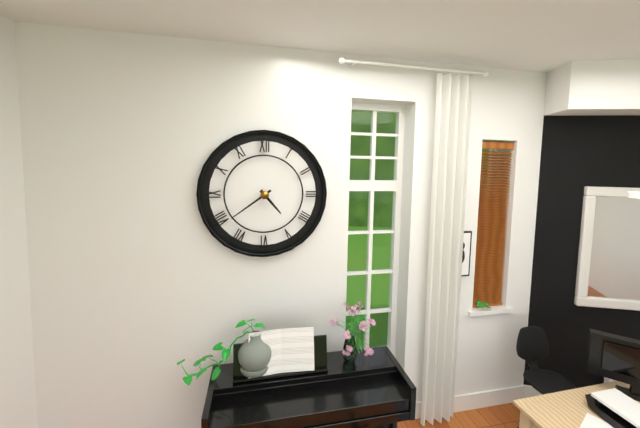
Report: 4.39
